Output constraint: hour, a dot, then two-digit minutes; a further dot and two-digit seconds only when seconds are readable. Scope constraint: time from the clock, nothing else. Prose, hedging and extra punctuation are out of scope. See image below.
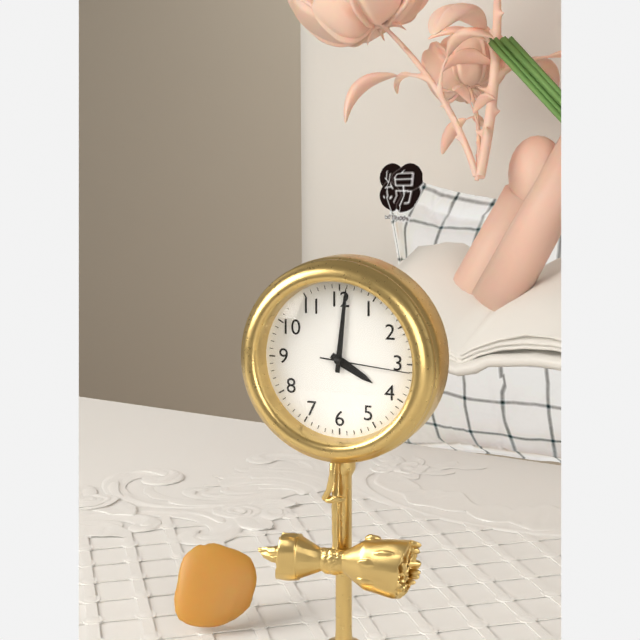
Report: 4.01.16
